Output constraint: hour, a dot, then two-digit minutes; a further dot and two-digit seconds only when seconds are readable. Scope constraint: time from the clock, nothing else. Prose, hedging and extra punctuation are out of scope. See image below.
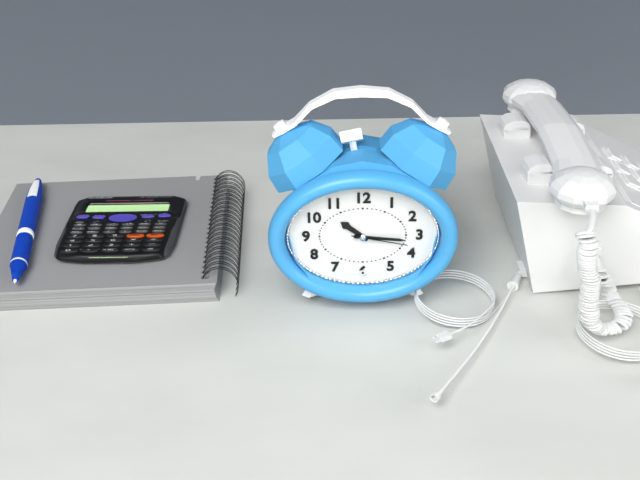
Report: 10.16.17
